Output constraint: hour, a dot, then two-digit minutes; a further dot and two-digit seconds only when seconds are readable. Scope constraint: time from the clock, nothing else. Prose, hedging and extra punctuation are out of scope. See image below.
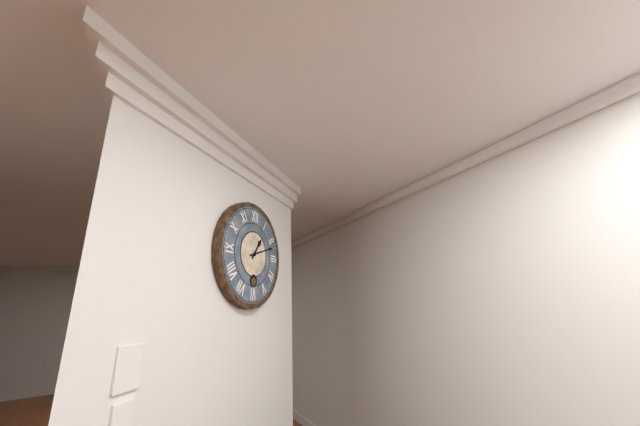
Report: 1.12
